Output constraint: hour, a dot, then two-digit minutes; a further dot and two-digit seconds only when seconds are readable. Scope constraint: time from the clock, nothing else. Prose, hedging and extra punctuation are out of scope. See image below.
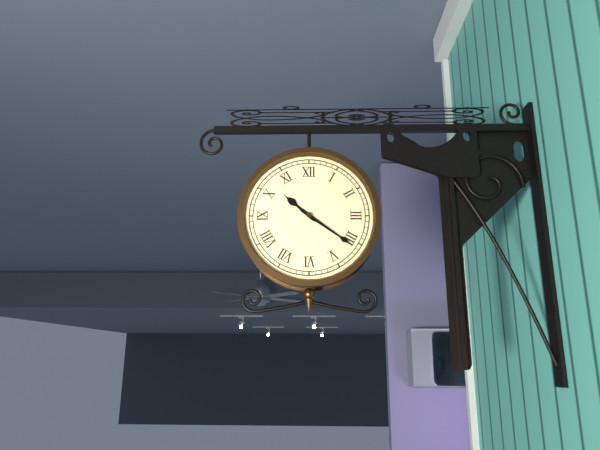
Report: 10.21
